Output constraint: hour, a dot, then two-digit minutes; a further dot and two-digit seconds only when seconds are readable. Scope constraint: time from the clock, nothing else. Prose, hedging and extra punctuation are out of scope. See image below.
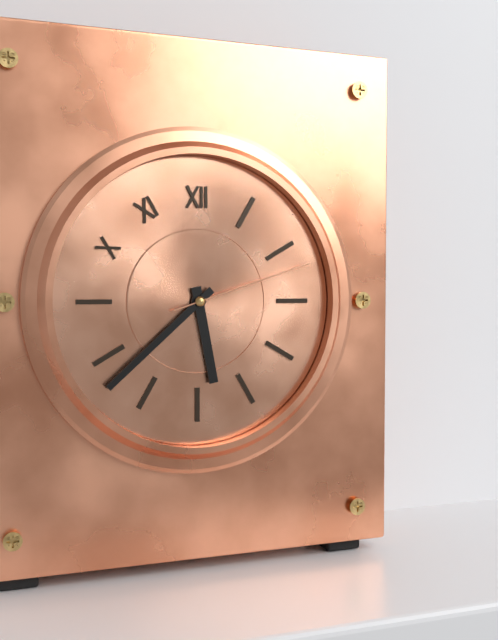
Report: 5.38.12
